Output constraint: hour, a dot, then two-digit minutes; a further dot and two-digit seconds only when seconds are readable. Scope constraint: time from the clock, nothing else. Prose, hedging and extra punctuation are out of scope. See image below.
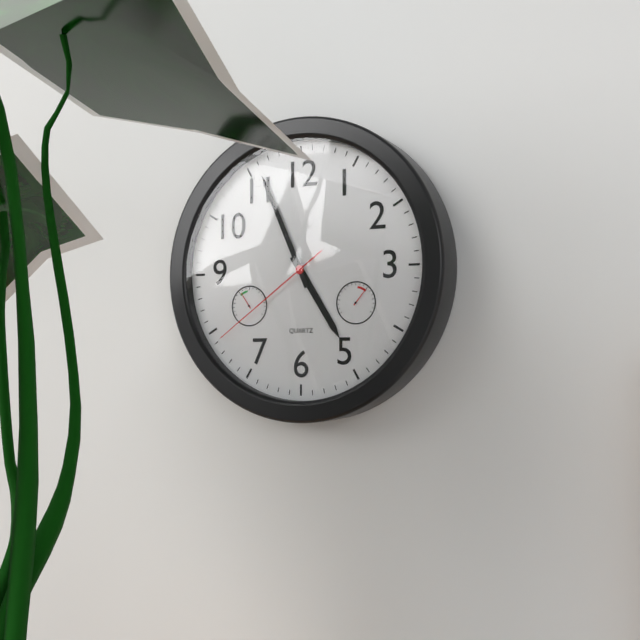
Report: 4.56.39
